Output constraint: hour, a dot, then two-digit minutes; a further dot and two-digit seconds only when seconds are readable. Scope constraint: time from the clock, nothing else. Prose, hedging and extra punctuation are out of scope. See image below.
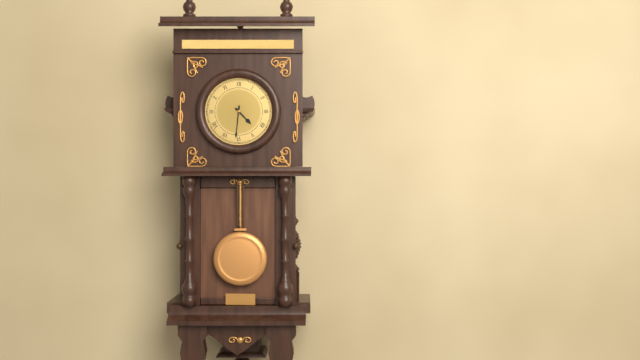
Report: 4.31
